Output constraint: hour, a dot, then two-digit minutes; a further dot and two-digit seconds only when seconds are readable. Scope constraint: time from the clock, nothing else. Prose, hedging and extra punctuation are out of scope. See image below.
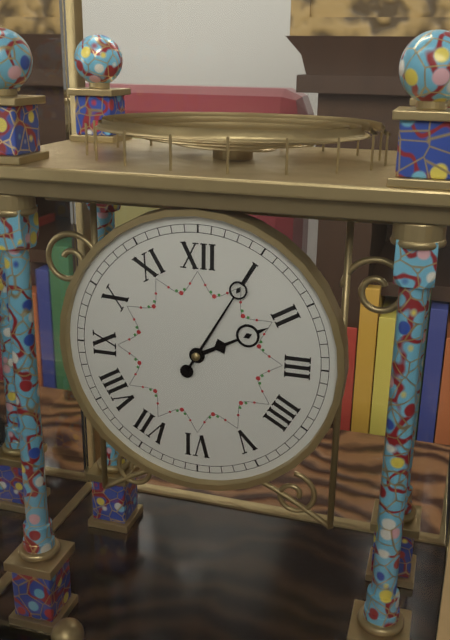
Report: 2.05
